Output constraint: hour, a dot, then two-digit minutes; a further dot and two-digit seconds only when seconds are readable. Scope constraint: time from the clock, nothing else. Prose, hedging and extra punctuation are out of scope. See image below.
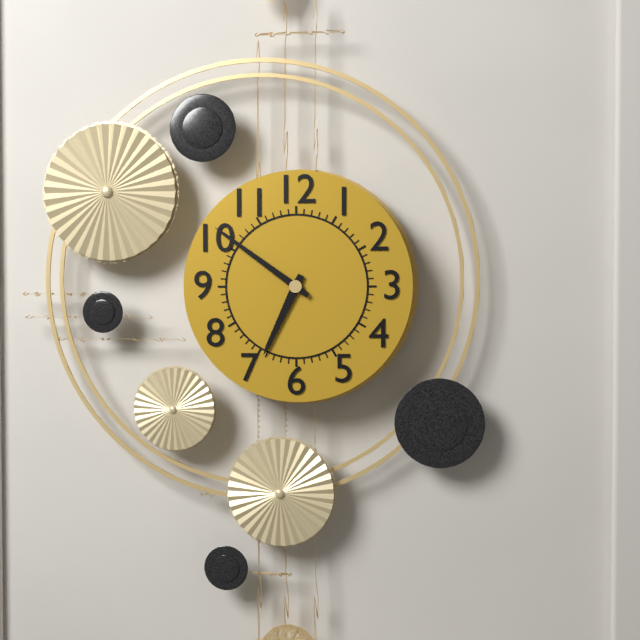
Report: 6.51
